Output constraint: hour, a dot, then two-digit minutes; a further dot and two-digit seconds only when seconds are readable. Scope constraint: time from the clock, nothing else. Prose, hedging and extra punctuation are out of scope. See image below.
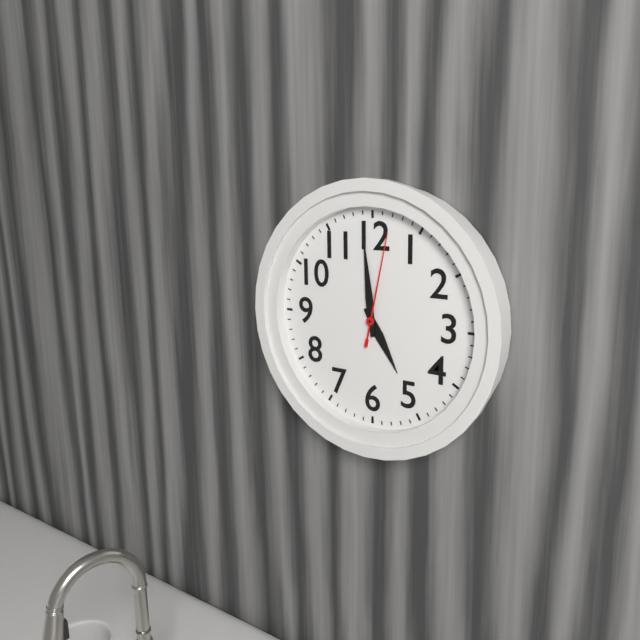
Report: 4.59.02
